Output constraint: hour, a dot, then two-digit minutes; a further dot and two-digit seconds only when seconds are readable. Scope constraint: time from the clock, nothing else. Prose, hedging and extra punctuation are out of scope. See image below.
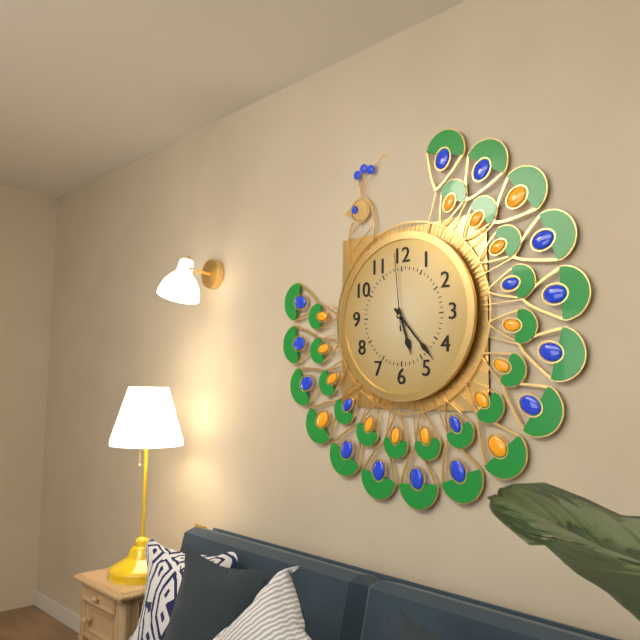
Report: 5.23.59
